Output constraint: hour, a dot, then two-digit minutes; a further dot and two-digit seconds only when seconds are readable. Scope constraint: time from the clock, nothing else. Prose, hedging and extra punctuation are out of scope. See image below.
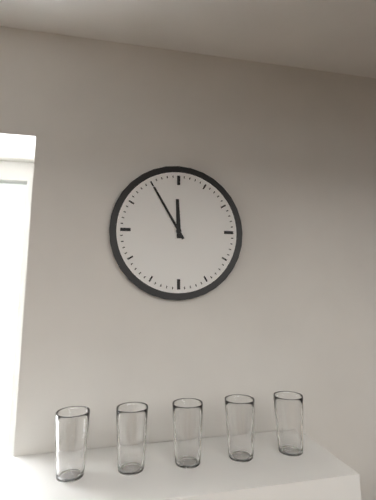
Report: 11.55
